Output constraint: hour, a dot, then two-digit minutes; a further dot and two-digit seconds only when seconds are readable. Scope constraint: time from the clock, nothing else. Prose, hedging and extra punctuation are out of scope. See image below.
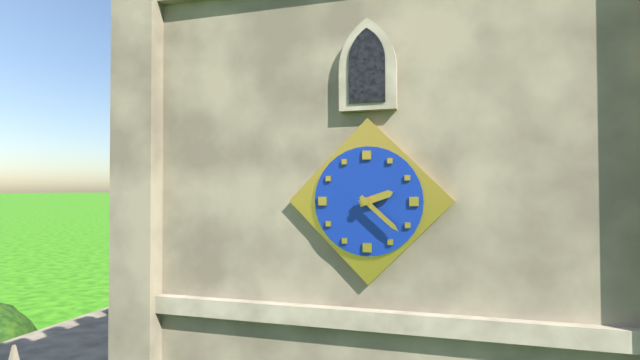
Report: 2.22
